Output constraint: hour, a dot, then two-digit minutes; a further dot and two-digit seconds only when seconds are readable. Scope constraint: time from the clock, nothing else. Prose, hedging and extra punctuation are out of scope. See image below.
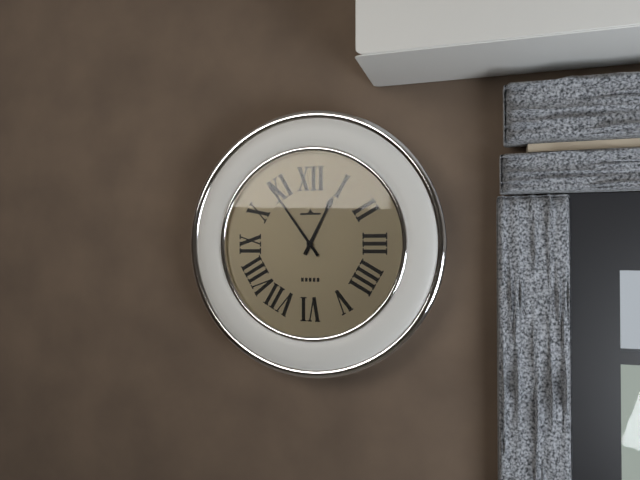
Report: 12.54
